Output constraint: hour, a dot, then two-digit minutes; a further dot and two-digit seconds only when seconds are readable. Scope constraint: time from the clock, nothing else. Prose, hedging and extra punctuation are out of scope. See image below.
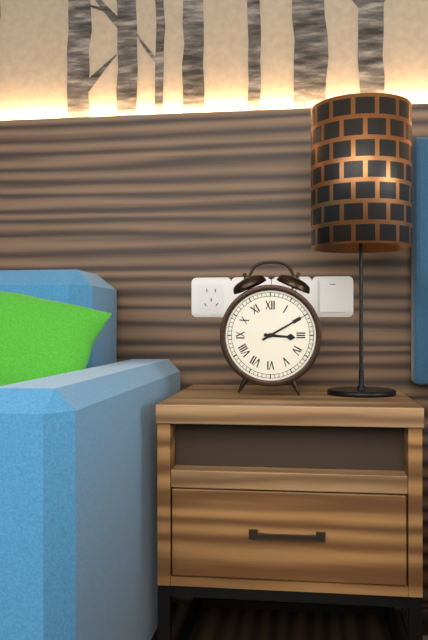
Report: 3.10
